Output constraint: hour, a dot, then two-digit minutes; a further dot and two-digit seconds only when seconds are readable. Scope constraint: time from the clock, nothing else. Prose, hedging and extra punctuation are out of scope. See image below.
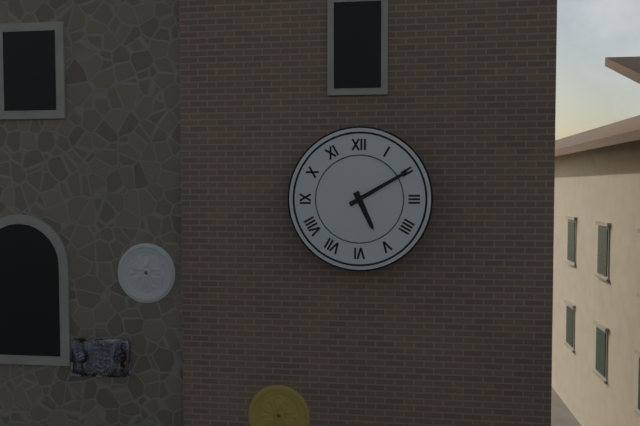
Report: 5.10
